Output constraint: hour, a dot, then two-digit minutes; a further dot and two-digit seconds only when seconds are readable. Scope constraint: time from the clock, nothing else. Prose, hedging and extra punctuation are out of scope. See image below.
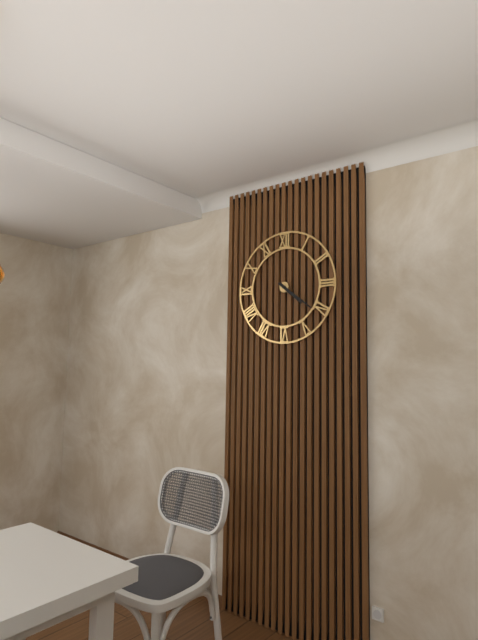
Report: 4.21
